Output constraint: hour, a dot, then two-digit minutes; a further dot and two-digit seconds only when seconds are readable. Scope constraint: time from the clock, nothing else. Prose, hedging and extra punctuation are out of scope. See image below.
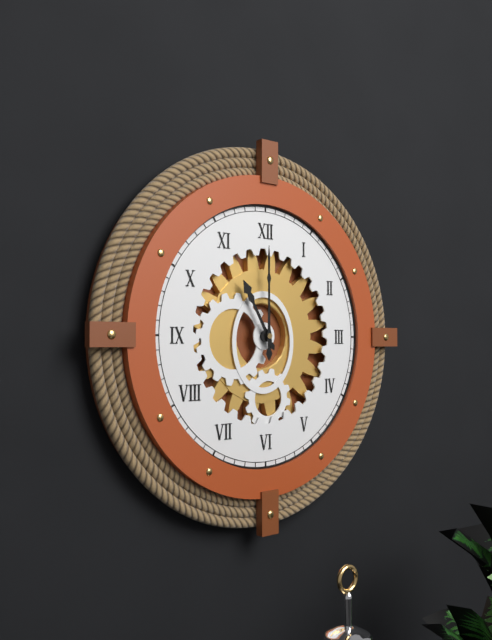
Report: 11.00
